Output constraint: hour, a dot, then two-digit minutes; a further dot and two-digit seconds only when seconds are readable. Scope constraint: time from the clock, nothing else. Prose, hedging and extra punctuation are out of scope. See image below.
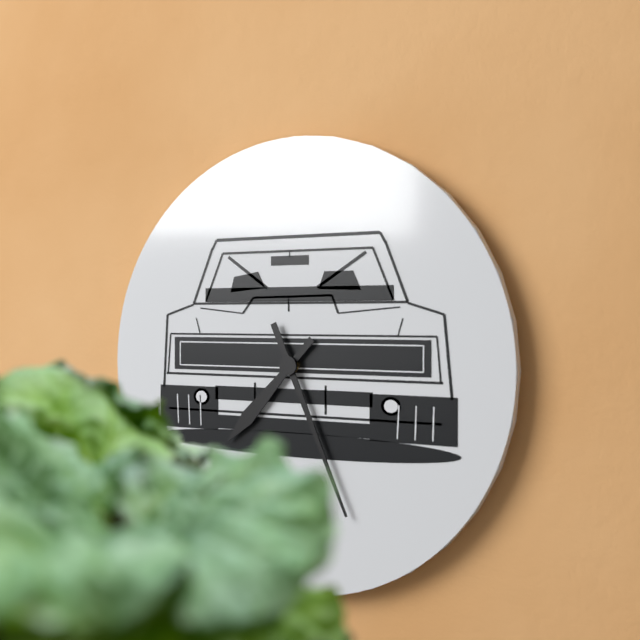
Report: 7.26
